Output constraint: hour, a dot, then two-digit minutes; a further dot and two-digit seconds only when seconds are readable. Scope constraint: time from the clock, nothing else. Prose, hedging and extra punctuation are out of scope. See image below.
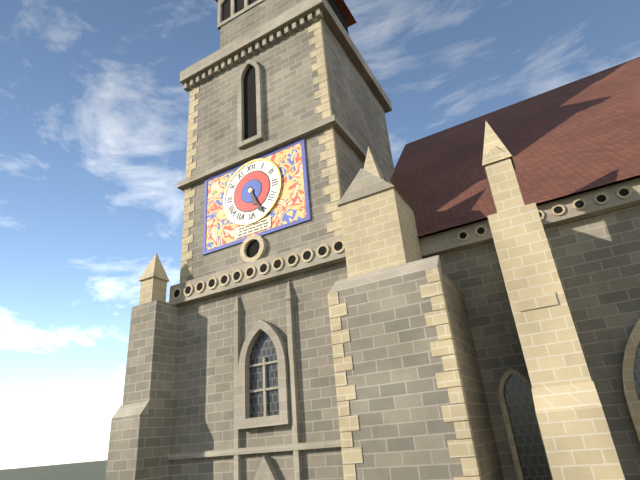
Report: 5.26
